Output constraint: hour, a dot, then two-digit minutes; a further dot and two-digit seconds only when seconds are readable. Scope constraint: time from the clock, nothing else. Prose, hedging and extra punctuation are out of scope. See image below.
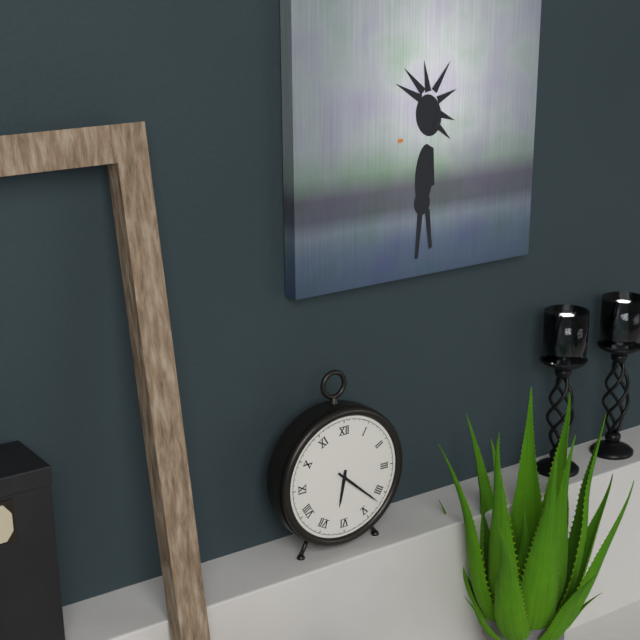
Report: 6.22
